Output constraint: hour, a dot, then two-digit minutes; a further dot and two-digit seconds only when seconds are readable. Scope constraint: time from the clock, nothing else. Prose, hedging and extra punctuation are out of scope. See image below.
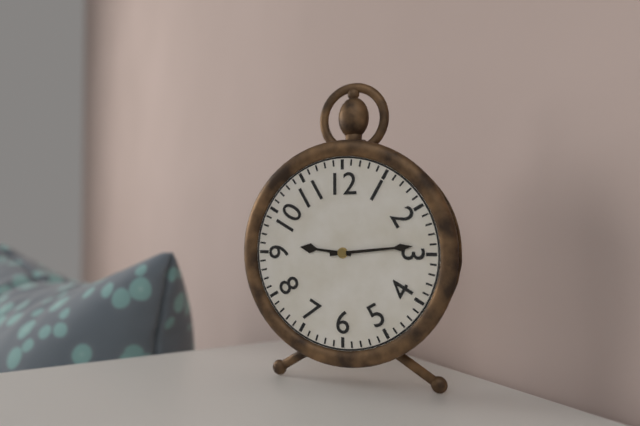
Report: 9.14
